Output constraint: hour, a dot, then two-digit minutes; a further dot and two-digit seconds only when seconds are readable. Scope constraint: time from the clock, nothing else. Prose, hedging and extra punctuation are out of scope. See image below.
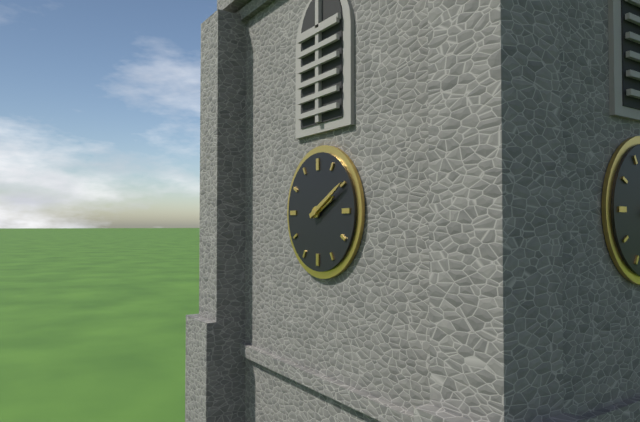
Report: 2.10
